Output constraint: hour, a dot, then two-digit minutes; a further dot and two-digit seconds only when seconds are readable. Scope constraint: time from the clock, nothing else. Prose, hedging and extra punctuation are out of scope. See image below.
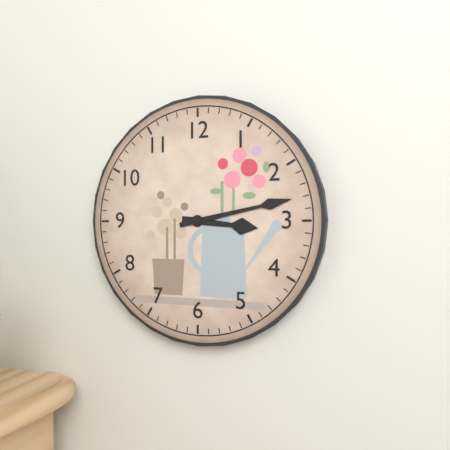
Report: 3.13
